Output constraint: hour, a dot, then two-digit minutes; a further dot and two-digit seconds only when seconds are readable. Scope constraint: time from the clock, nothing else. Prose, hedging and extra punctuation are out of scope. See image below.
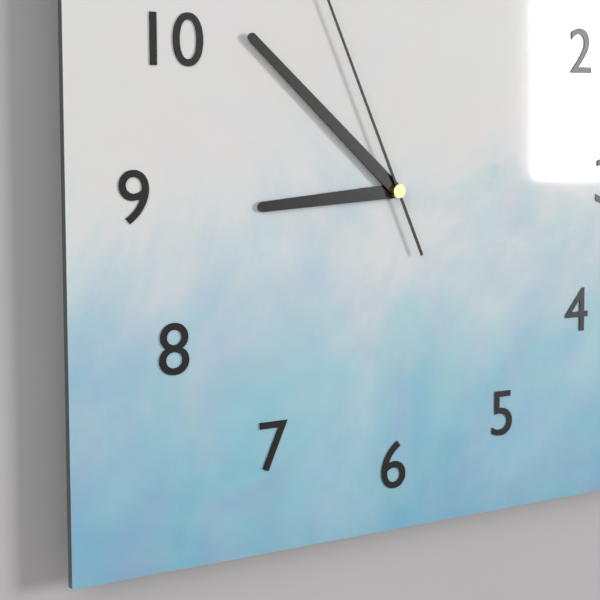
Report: 8.52
